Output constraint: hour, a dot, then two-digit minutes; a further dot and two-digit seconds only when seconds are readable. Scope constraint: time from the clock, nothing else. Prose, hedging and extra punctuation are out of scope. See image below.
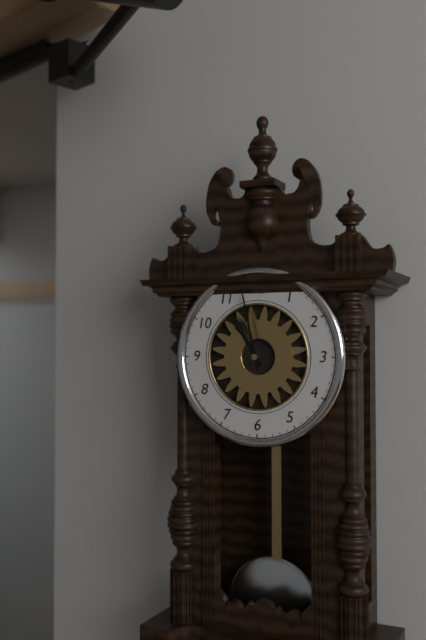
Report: 10.58
